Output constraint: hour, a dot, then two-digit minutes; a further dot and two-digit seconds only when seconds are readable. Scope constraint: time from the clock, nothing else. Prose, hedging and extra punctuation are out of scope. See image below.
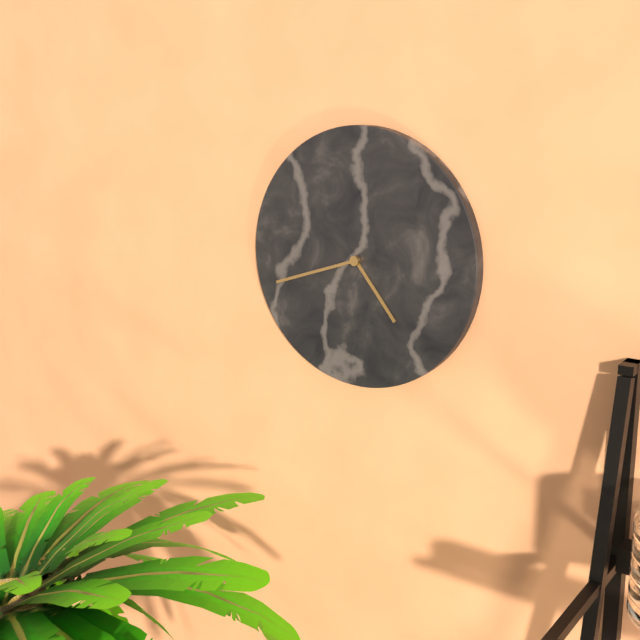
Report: 4.42
